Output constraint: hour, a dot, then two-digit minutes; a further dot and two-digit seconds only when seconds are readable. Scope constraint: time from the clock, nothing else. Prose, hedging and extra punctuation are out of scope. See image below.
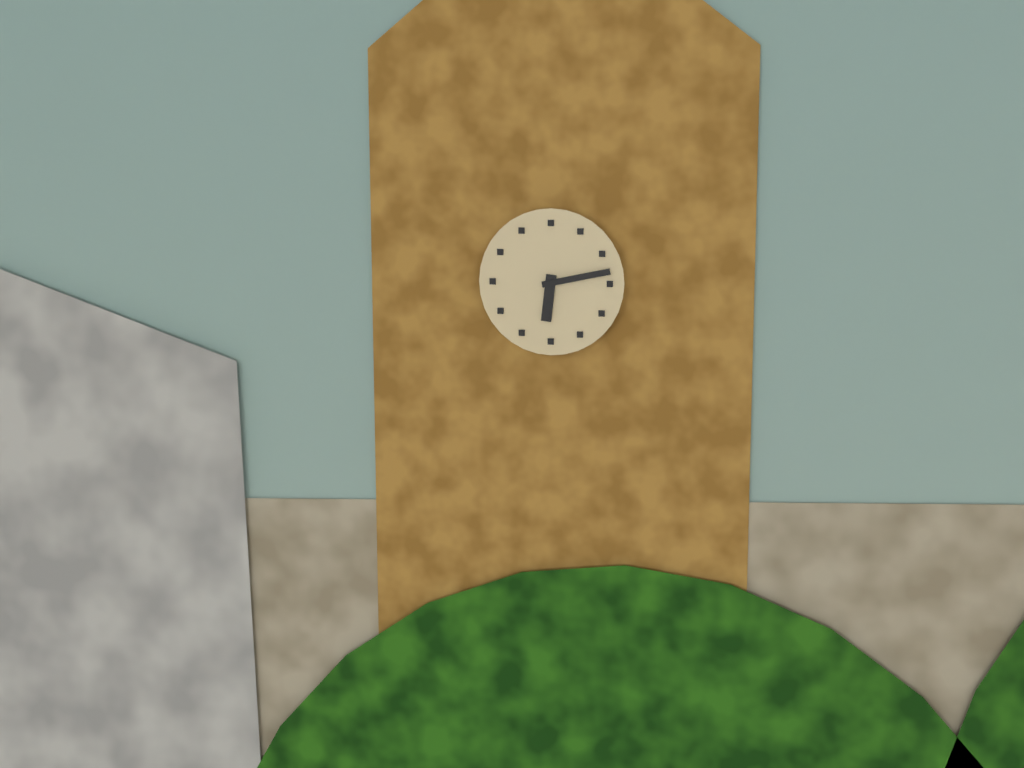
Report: 6.13
